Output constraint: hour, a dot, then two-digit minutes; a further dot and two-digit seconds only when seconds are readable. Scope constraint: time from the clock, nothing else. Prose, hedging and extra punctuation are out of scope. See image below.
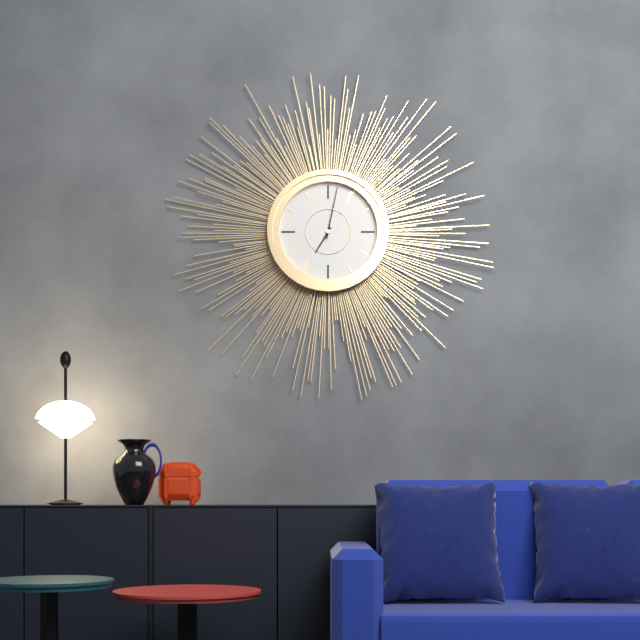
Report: 7.02
